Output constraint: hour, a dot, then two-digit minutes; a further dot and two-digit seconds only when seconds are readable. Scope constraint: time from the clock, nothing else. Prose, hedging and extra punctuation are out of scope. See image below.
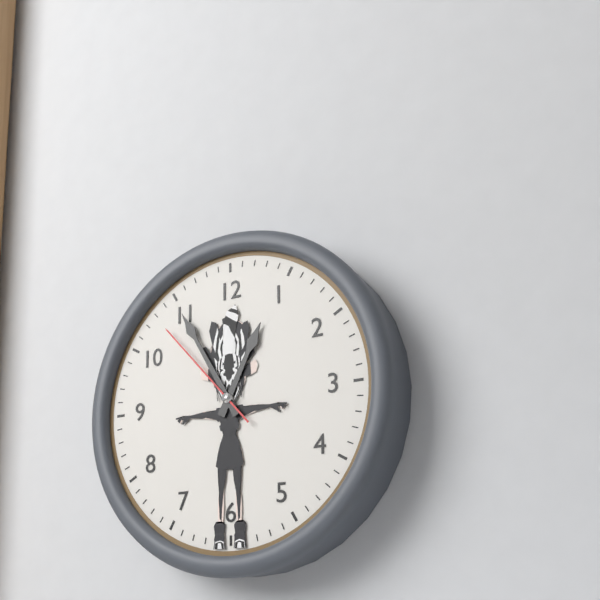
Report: 12.55.53
